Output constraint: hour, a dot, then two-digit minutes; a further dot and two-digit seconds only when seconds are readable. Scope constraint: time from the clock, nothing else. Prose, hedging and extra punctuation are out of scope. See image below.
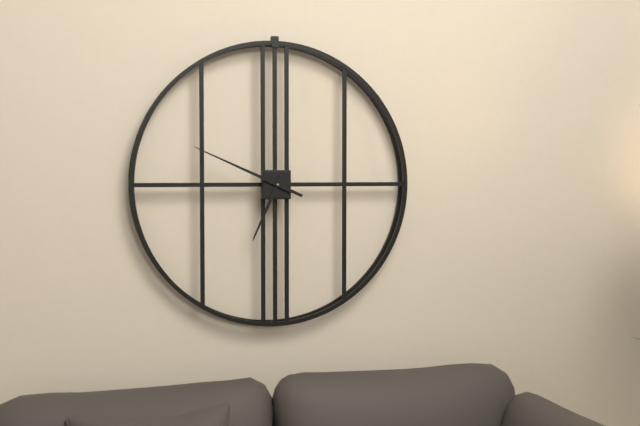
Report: 6.49
